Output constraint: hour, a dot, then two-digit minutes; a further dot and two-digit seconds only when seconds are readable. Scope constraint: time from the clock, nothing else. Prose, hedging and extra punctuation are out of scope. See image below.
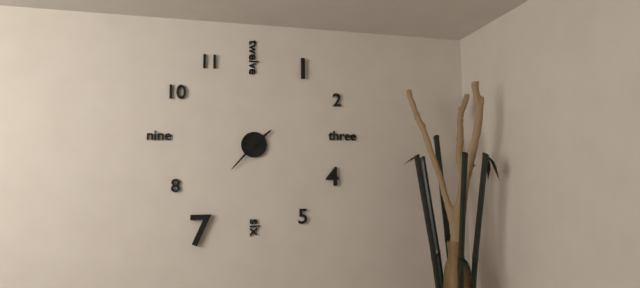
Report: 1.37
